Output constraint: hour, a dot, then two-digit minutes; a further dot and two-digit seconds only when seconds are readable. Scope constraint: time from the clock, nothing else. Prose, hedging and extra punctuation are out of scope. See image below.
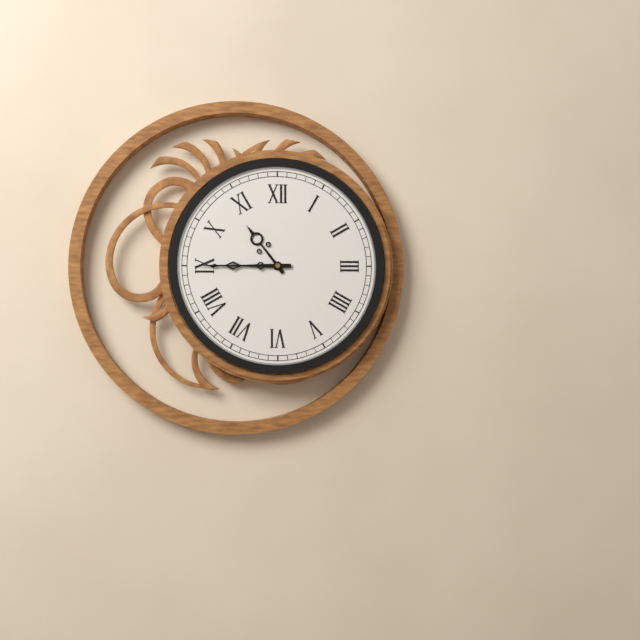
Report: 10.45
